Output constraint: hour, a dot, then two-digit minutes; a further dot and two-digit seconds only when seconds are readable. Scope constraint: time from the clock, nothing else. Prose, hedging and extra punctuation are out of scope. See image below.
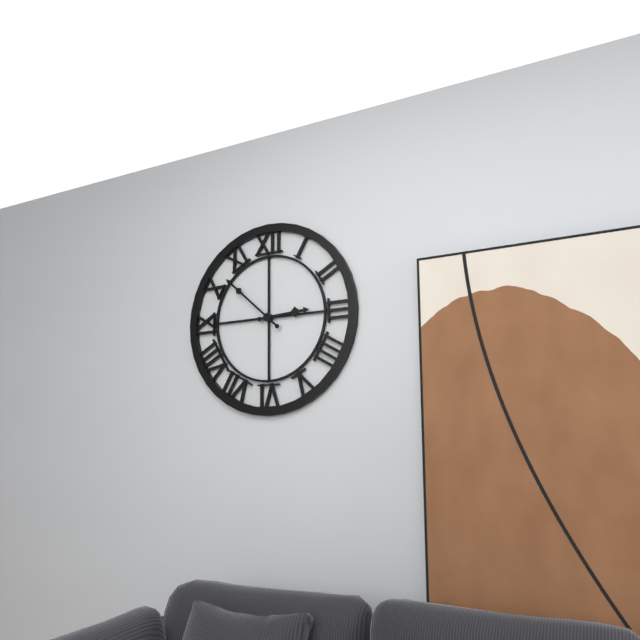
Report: 2.52
